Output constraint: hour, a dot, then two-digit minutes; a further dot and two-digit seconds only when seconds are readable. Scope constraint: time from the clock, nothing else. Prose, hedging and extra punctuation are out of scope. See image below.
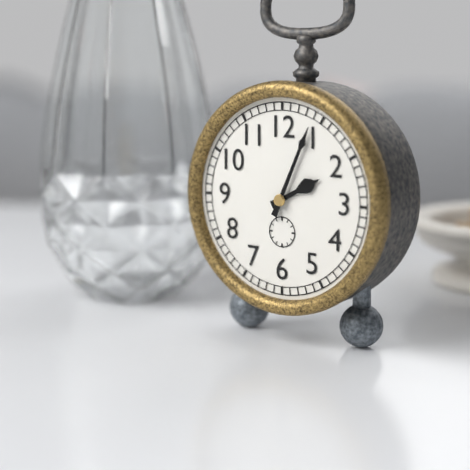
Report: 2.04
